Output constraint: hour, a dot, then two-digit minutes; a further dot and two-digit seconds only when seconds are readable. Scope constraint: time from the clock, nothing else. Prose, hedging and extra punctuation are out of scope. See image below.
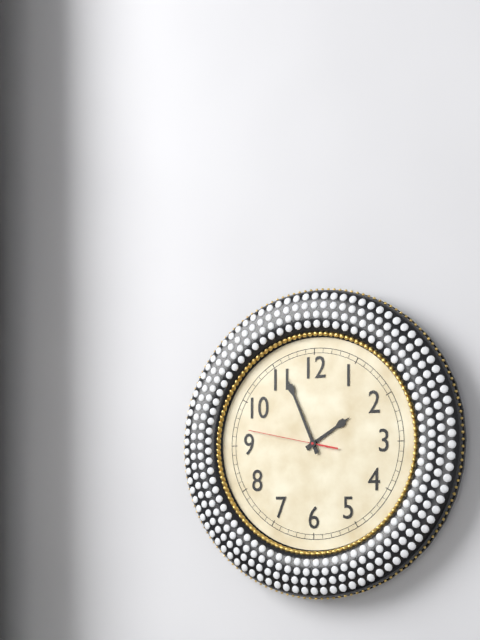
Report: 1.56.47
